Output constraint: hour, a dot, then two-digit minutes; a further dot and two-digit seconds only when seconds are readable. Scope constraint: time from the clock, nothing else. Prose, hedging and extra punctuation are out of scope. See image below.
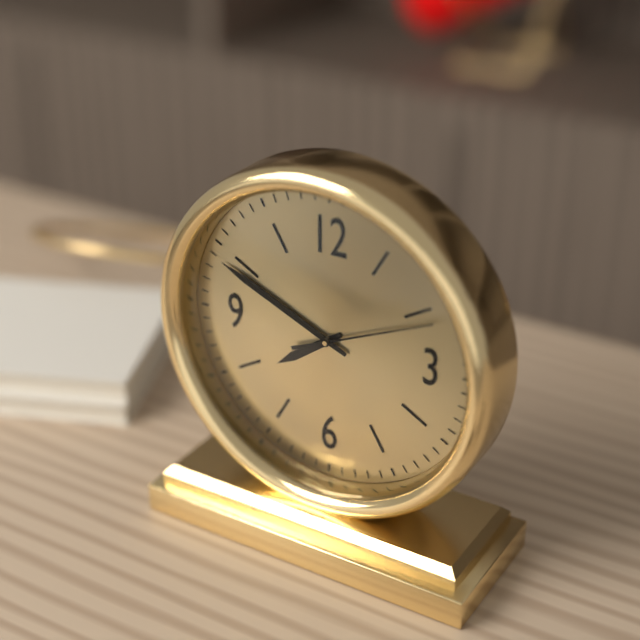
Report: 7.49.11
